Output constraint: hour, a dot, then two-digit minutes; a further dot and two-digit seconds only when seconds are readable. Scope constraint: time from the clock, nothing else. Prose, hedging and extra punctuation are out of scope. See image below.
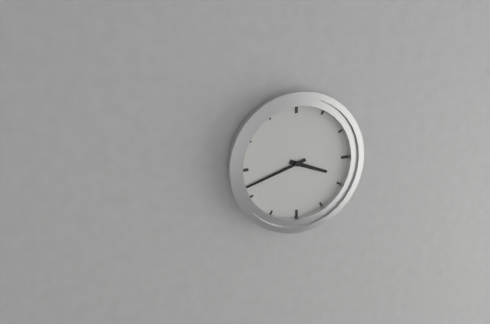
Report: 3.42
